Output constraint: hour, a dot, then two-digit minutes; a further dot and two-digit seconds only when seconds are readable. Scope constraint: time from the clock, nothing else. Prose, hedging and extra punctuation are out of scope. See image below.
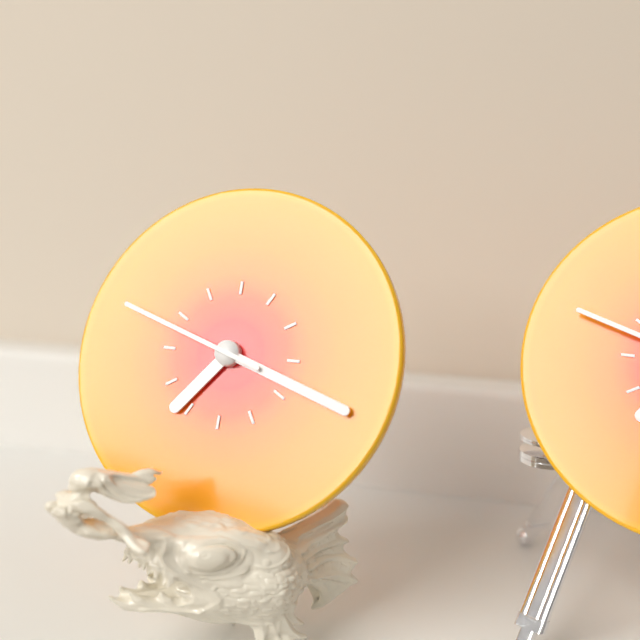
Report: 7.18.48
